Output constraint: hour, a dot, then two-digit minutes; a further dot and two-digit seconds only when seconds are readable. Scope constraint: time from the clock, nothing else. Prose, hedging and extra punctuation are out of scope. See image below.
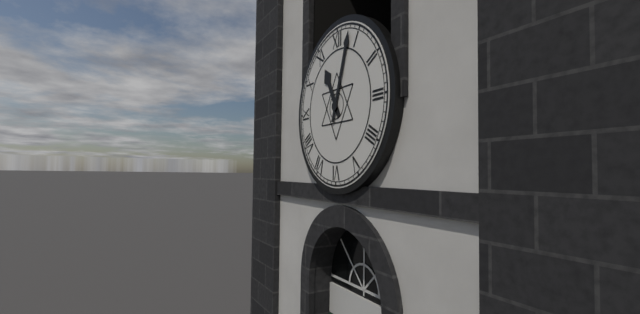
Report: 11.03
